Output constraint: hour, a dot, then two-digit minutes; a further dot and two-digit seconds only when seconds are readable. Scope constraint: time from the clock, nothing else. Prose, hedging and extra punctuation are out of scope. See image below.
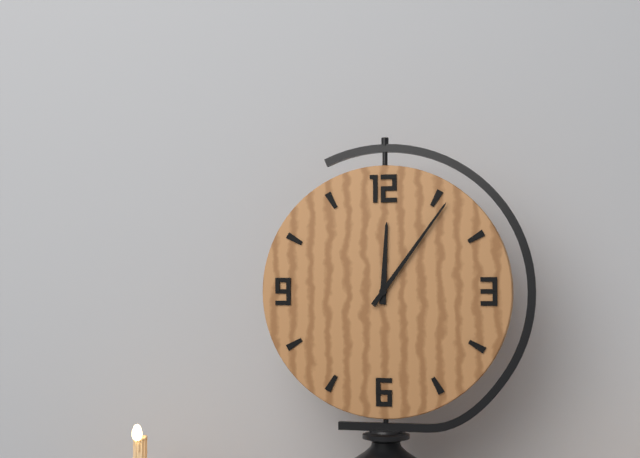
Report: 12.06
